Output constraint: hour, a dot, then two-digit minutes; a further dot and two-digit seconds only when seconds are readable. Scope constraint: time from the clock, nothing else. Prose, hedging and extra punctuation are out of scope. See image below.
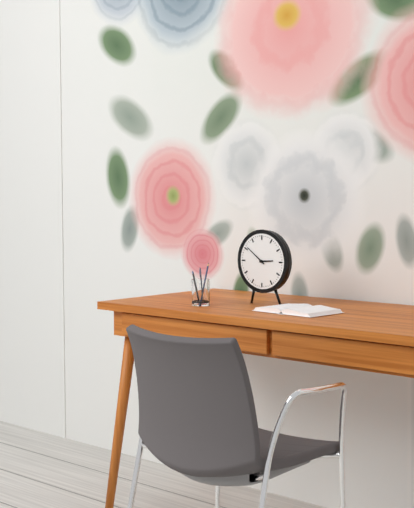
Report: 2.51
